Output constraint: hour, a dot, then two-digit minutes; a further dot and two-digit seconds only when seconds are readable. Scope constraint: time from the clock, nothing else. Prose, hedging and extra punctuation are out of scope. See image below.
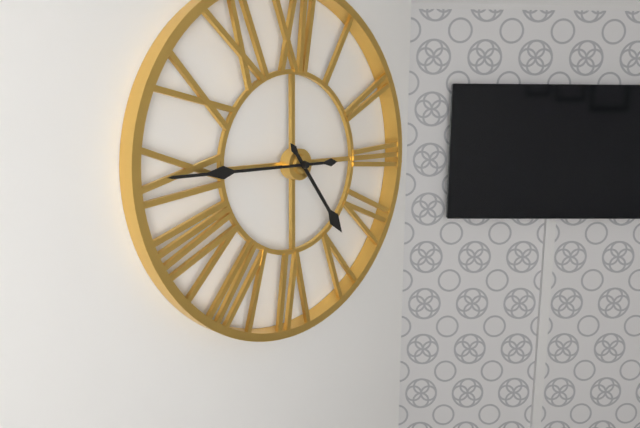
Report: 4.45
